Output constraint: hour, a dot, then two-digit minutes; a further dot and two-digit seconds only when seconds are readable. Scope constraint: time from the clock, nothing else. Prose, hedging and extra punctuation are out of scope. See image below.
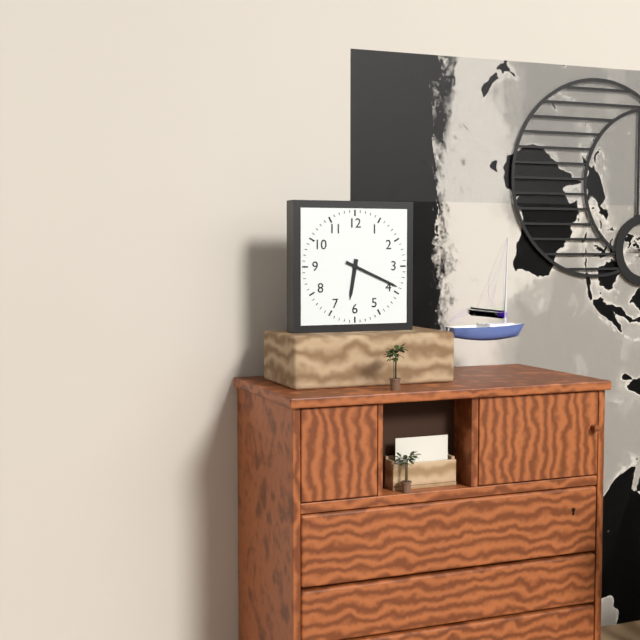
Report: 6.19
